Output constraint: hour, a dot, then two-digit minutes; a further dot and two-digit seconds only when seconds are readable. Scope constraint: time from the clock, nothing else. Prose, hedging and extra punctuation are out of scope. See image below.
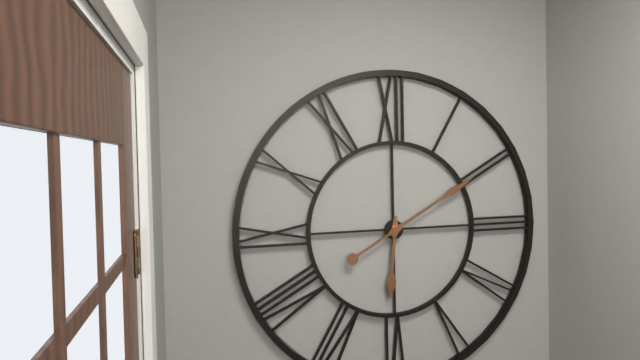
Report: 6.10
